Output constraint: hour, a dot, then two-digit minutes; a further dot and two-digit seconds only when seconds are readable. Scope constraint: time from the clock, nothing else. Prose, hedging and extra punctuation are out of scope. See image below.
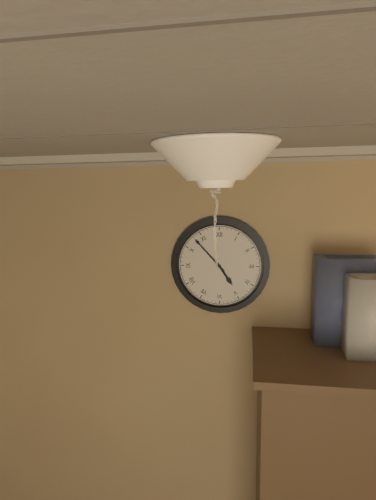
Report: 4.53
